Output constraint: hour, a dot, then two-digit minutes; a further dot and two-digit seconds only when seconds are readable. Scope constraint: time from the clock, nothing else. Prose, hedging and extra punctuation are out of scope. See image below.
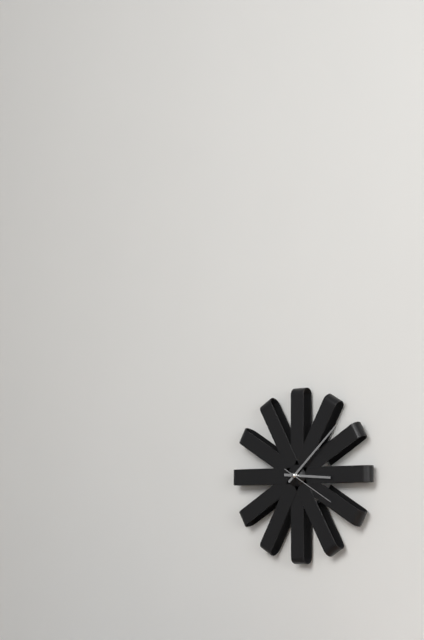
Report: 3.08.20
